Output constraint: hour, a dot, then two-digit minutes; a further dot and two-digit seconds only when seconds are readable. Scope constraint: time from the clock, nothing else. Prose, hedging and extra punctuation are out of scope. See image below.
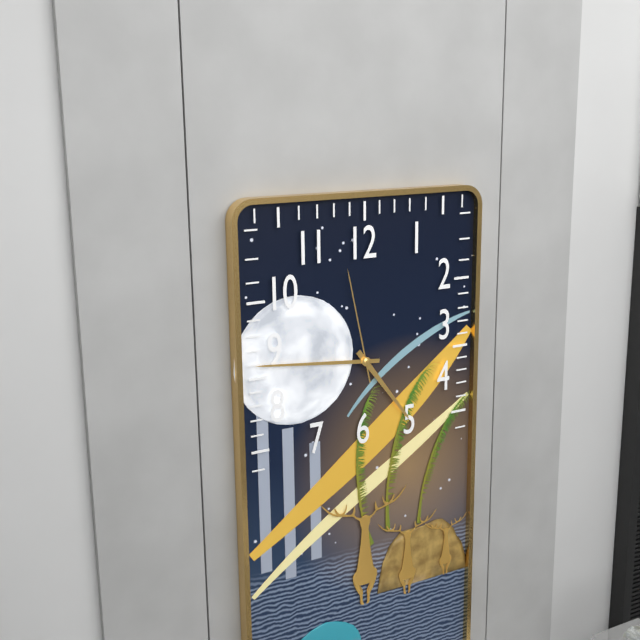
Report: 4.46.58
